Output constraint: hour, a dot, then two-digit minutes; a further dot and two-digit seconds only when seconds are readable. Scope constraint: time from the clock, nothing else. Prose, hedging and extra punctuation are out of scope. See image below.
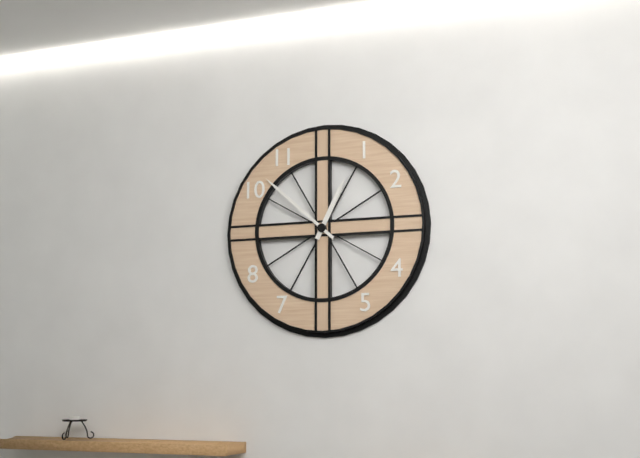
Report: 12.52
